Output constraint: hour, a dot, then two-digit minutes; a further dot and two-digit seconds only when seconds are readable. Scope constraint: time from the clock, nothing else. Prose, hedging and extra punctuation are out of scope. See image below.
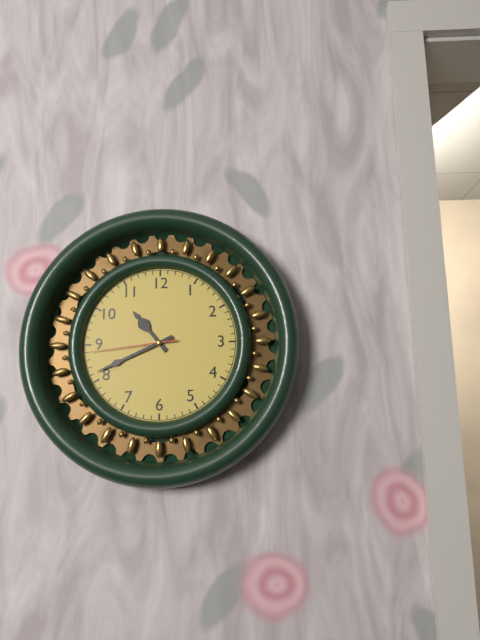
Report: 10.41.44
